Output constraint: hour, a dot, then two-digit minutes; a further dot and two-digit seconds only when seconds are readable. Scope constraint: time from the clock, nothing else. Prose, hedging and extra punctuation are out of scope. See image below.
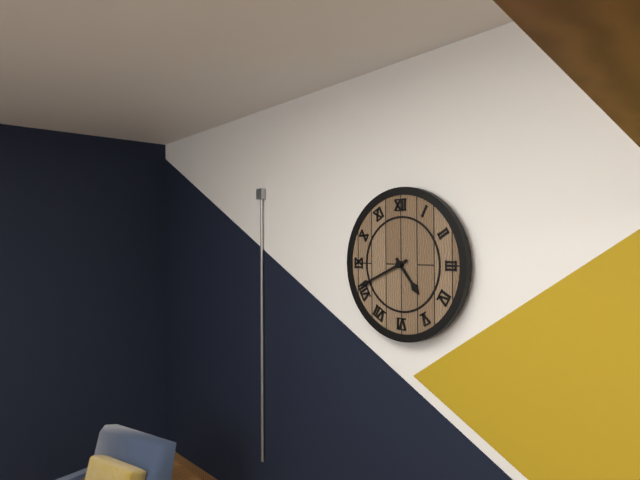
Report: 4.41
